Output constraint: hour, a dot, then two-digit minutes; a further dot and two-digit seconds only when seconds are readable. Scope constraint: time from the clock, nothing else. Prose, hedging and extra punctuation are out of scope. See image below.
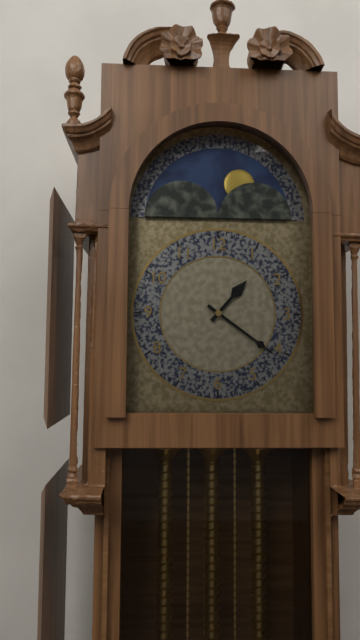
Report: 1.21
